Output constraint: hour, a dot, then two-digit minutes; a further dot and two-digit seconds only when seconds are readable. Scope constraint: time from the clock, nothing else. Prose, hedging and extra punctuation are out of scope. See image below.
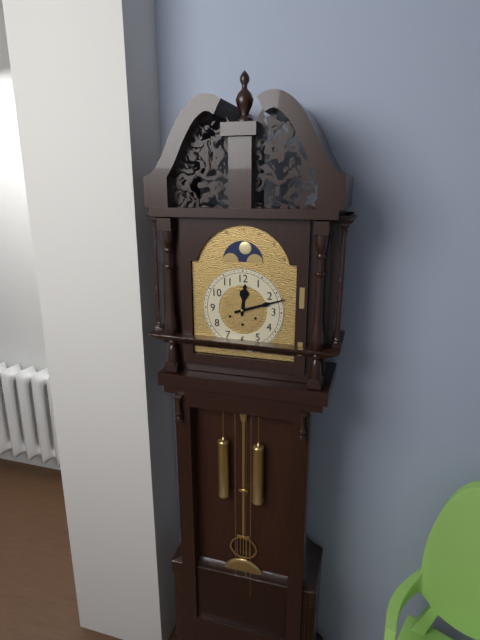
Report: 12.12
